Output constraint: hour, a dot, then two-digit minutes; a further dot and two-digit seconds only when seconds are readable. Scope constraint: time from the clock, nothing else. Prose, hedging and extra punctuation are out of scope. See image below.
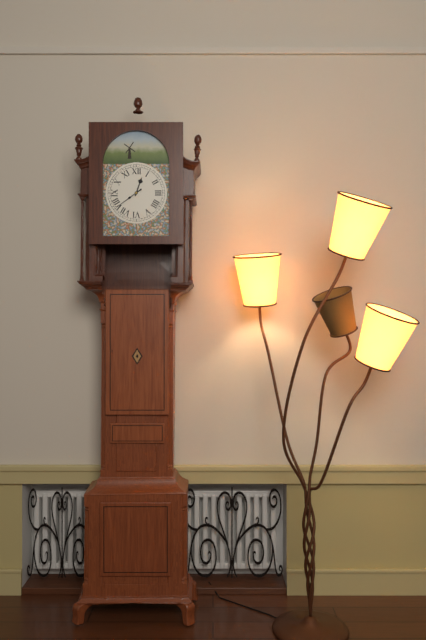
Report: 12.39
